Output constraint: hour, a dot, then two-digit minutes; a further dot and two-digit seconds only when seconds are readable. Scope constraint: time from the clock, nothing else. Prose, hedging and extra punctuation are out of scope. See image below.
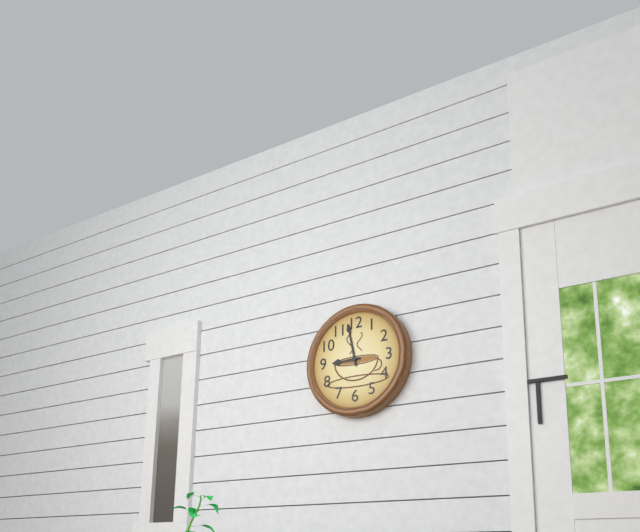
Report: 8.58
